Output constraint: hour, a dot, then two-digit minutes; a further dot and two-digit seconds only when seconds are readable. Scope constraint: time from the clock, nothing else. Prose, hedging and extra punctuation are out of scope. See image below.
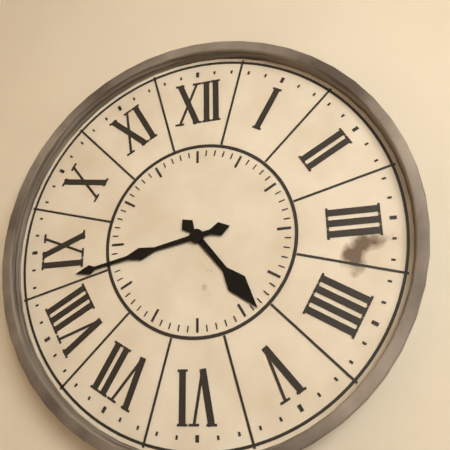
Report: 4.43
